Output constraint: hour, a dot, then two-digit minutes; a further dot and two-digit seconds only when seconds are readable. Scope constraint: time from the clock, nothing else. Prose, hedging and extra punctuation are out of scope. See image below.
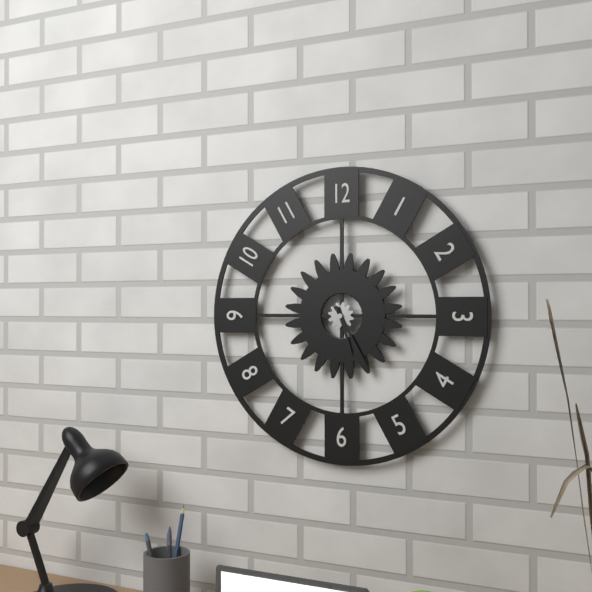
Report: 5.25
